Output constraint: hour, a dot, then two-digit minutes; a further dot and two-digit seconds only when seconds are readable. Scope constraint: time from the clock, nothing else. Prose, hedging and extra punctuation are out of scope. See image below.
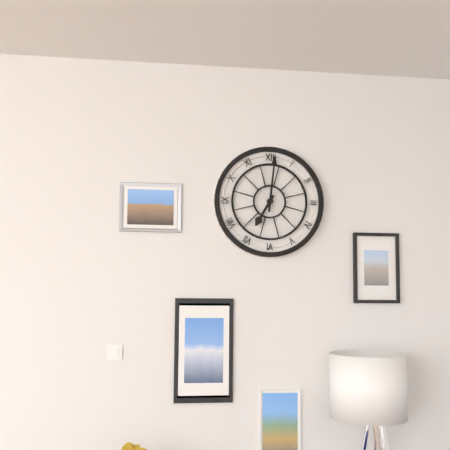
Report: 7.01
